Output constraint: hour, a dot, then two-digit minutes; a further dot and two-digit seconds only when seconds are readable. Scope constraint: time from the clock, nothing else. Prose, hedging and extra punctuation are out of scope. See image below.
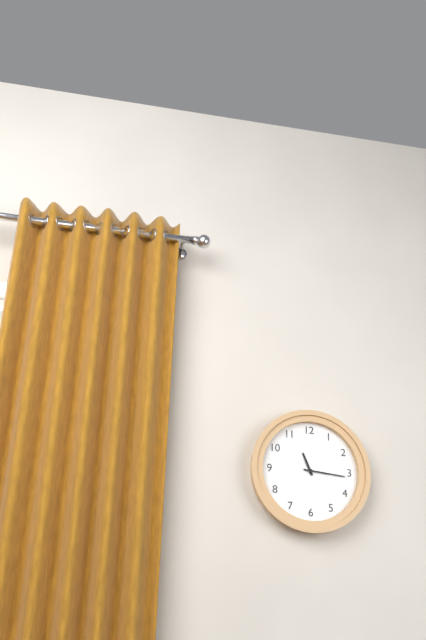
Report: 11.16
